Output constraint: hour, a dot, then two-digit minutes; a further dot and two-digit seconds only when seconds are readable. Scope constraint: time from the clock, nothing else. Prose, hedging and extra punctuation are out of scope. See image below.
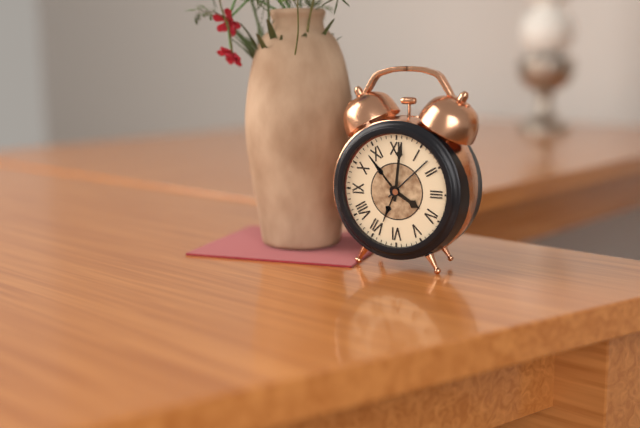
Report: 4.01
